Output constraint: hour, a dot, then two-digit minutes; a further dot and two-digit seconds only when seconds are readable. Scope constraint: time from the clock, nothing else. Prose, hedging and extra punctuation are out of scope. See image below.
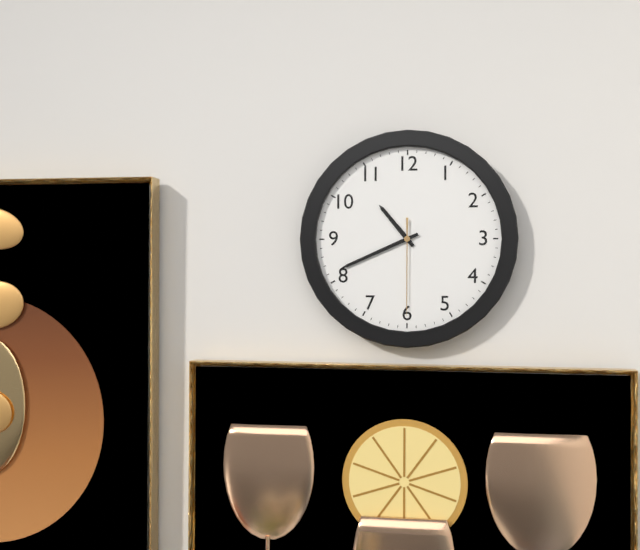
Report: 10.41.30
